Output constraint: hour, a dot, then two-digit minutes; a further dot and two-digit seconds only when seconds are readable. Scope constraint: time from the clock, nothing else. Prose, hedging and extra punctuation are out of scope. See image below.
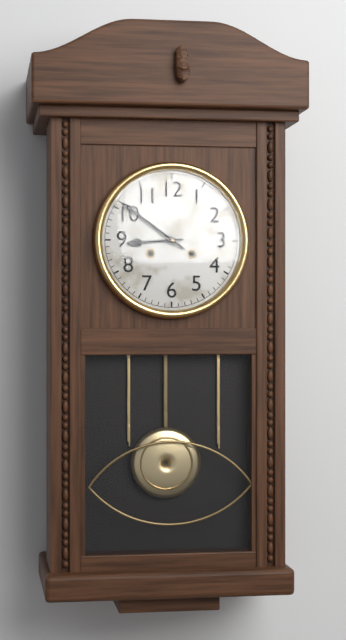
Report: 8.51
